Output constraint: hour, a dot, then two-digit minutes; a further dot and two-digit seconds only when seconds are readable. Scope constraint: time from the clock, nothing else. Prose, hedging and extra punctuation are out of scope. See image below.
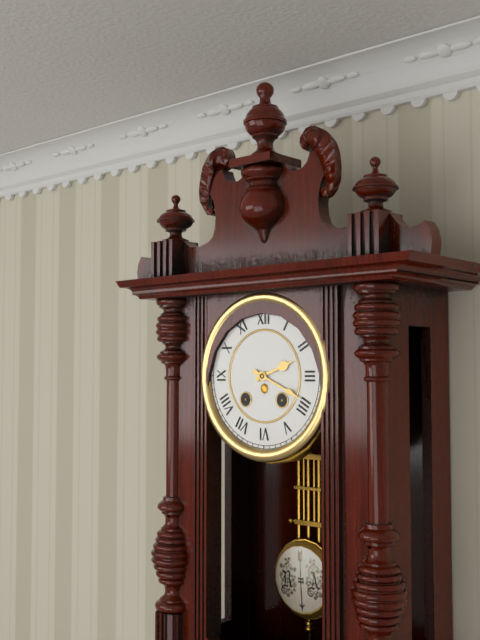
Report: 2.19
